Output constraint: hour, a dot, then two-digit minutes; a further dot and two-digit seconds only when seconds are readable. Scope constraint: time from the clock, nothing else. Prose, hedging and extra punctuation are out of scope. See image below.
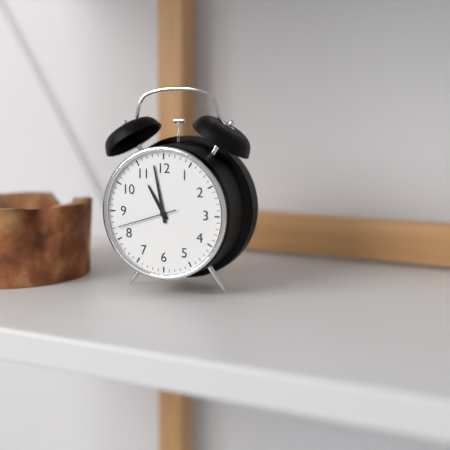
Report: 10.58.42
